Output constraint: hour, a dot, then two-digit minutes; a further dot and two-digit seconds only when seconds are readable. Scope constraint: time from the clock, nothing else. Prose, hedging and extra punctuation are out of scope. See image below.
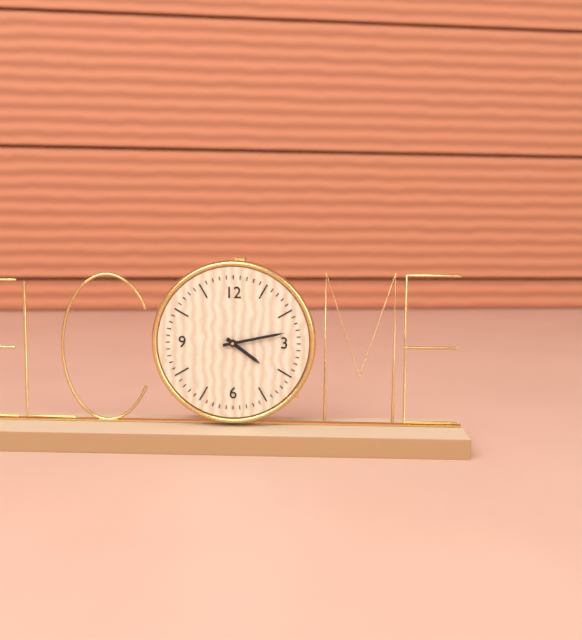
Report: 4.13
